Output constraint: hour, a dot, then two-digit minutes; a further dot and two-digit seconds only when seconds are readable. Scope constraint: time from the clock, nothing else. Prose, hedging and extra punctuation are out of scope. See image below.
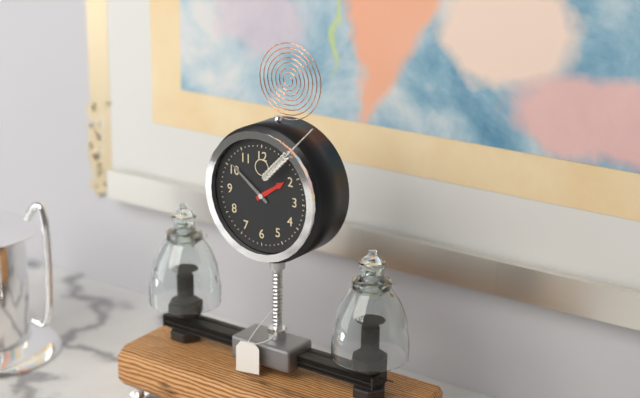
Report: 1.51
